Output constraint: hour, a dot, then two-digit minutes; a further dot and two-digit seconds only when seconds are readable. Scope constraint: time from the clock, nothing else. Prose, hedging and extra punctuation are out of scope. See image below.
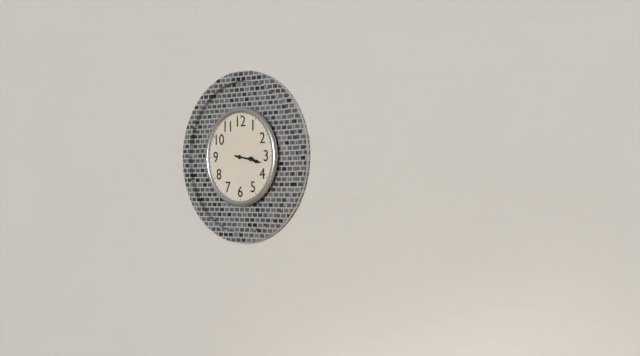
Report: 3.17
